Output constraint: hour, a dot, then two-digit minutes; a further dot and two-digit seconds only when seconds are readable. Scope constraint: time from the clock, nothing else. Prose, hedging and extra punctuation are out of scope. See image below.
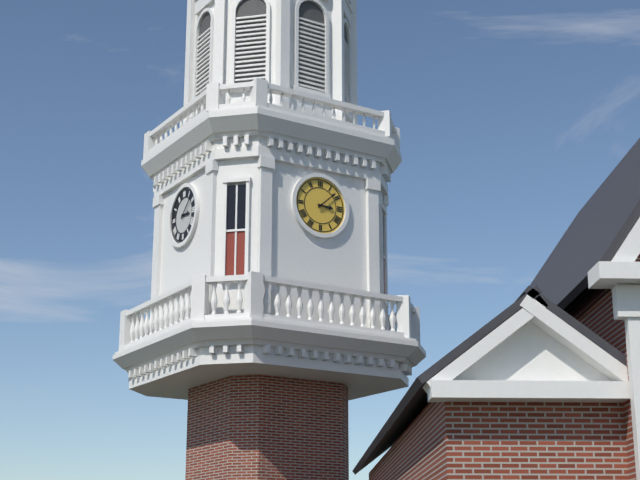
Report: 3.08
